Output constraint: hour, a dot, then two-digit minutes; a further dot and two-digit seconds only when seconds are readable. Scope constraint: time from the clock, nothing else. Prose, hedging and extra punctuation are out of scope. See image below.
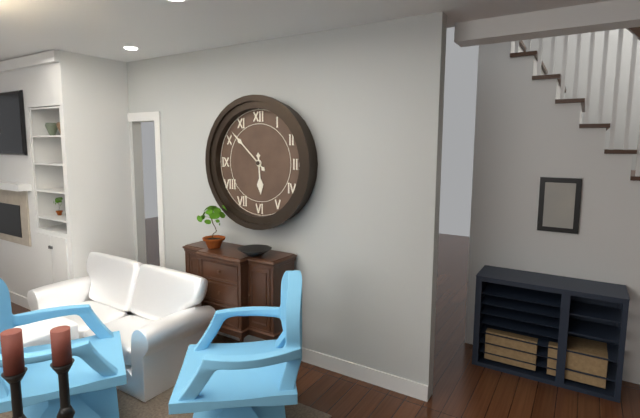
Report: 5.52
